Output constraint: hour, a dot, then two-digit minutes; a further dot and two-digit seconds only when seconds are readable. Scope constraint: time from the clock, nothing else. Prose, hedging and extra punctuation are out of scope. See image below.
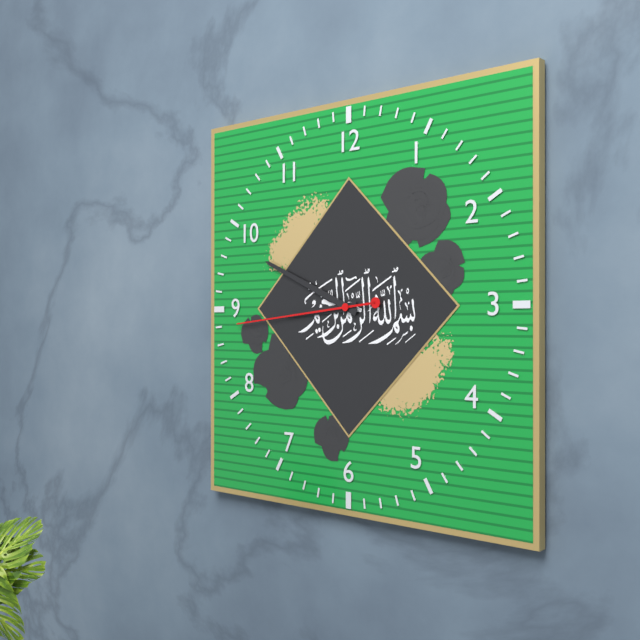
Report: 8.49.44
